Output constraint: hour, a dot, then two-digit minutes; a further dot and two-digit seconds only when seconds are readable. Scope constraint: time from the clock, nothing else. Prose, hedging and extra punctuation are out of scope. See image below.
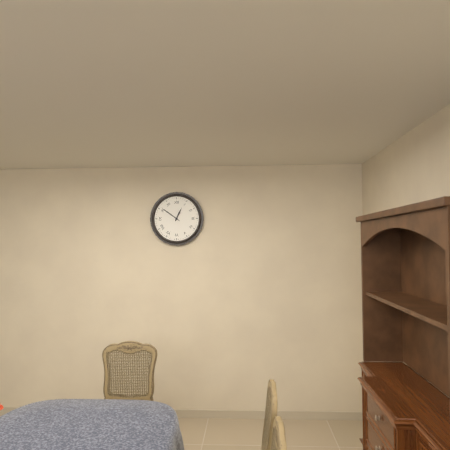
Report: 12.51
